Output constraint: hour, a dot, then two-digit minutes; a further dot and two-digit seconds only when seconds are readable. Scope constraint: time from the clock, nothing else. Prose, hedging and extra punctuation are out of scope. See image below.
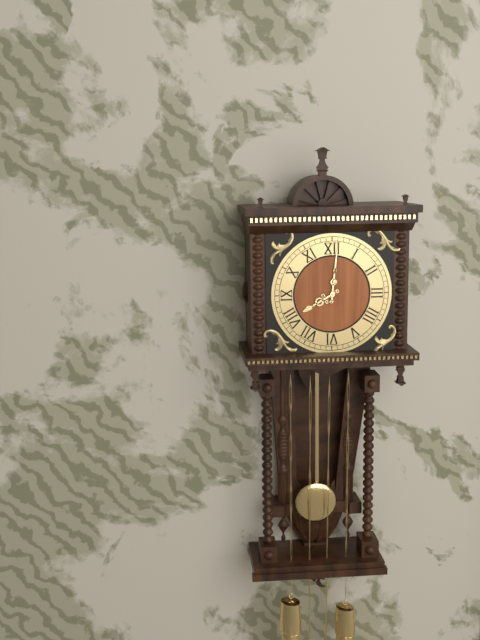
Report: 8.01
